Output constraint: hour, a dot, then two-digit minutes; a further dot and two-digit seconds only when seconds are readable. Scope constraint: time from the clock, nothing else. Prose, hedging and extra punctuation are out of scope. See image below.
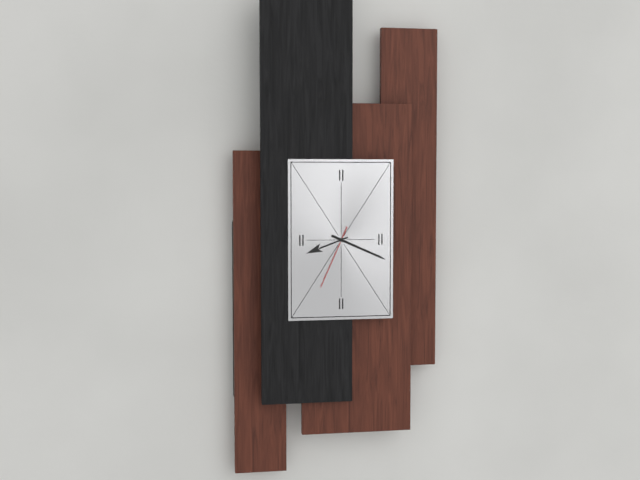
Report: 8.19.34
